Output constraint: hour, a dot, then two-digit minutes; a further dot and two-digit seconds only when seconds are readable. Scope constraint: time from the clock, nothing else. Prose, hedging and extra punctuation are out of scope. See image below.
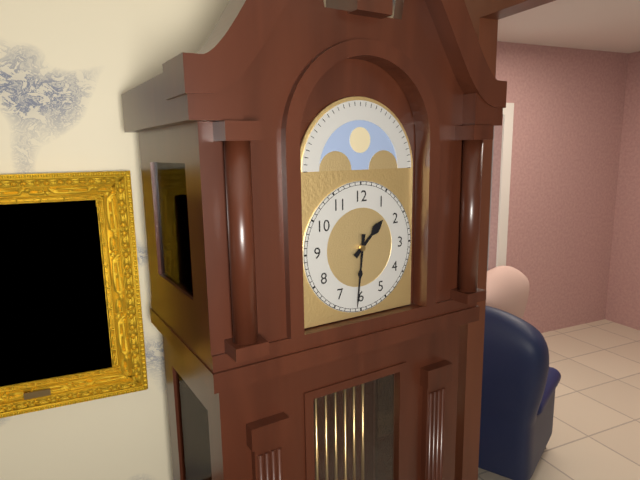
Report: 1.31
